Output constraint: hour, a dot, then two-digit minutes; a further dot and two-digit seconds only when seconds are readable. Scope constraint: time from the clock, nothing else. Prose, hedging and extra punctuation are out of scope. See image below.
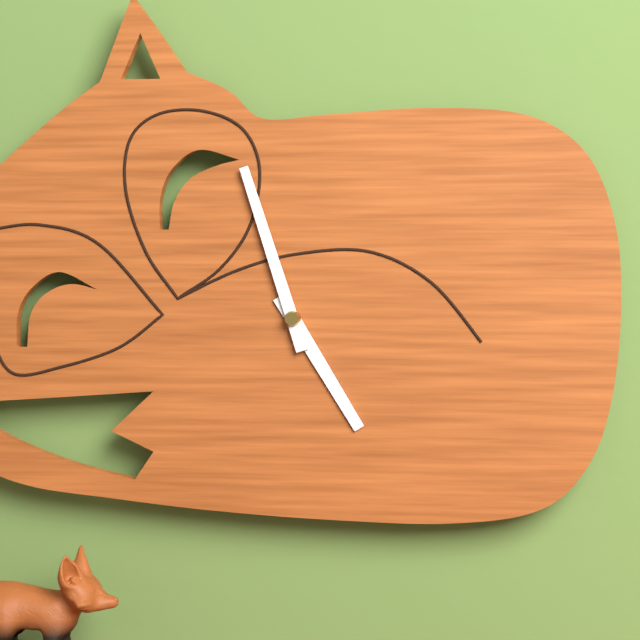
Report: 4.57
